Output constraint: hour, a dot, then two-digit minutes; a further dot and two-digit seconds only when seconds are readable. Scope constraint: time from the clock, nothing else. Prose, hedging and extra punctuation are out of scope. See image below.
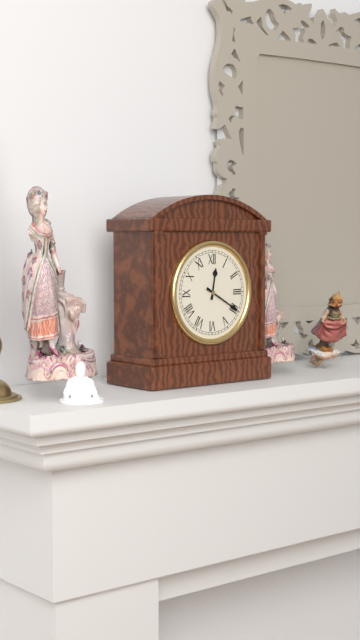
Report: 12.20
